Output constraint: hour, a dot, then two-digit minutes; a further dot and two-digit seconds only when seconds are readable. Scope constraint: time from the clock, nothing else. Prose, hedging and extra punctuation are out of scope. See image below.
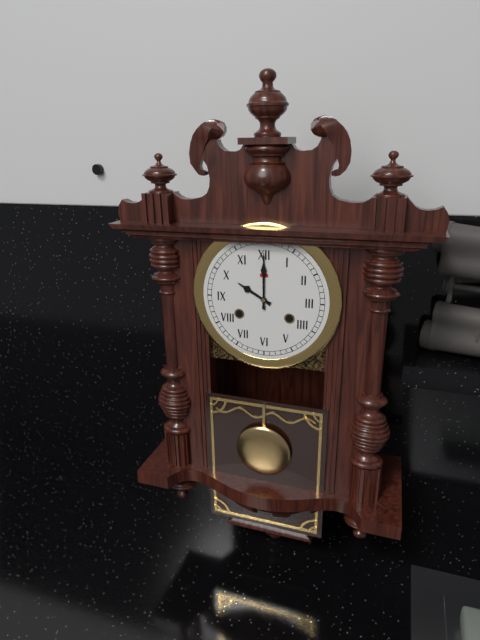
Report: 10.00
